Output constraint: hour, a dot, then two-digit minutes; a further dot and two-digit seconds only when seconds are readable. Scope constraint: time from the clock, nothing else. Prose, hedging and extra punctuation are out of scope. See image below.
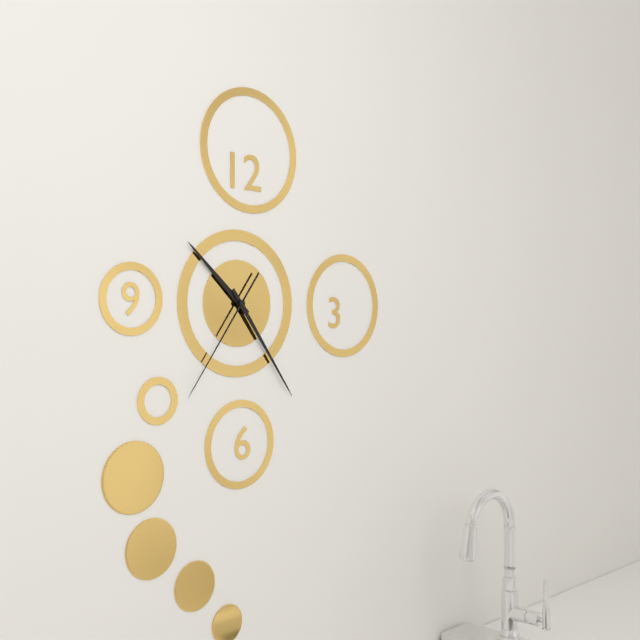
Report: 10.24.36
